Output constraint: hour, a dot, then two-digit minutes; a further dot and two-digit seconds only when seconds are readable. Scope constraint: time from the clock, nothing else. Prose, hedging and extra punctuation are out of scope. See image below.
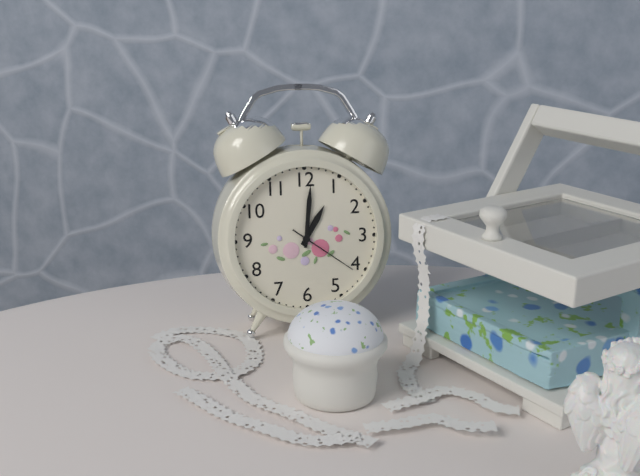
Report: 1.01.21
